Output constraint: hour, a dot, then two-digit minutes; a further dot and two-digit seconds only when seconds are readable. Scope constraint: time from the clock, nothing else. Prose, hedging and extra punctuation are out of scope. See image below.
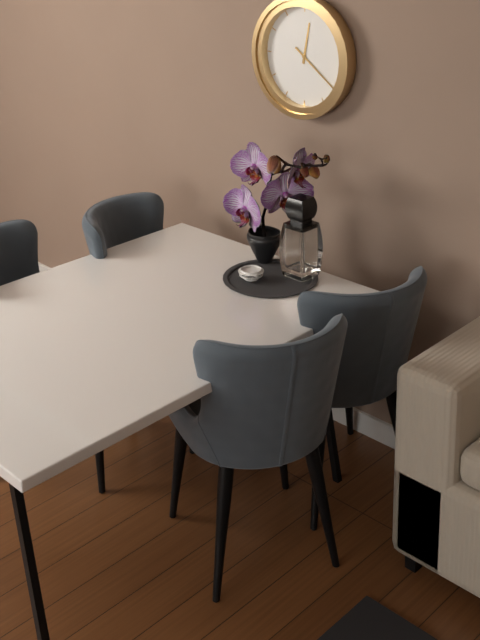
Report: 12.21
